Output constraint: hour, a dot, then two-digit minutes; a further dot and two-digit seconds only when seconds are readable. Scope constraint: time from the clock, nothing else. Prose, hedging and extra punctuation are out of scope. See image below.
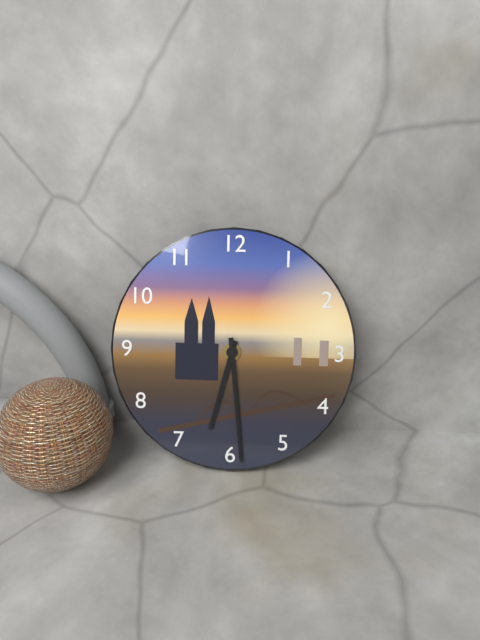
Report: 6.29
